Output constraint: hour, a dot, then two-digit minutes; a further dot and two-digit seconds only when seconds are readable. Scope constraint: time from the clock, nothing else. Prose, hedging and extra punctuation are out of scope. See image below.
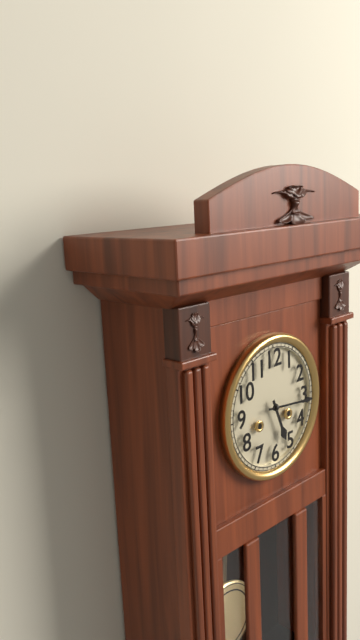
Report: 5.16
